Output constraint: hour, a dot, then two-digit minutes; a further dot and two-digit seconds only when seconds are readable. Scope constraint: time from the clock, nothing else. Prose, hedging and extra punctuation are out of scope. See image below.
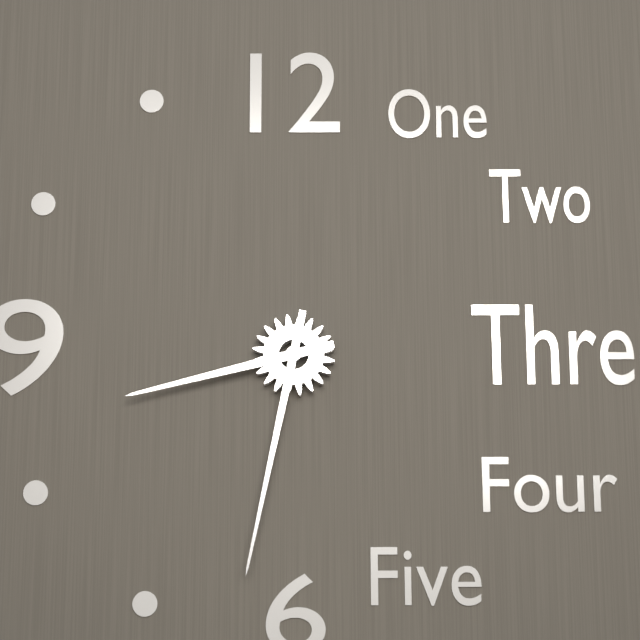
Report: 8.32
